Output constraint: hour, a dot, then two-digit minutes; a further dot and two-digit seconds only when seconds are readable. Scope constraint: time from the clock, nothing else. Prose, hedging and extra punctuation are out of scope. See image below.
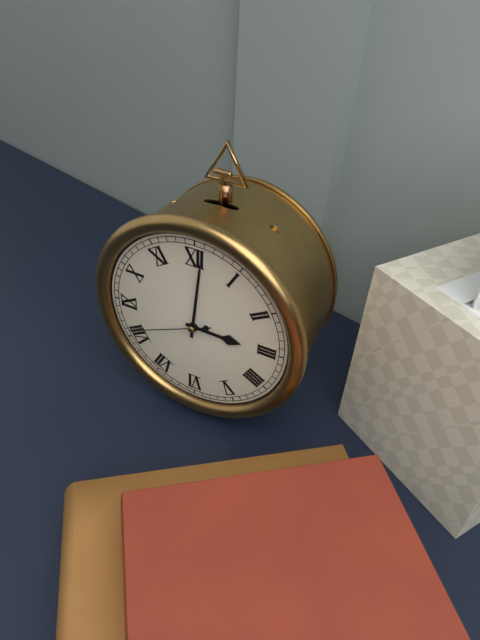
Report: 3.01.41
